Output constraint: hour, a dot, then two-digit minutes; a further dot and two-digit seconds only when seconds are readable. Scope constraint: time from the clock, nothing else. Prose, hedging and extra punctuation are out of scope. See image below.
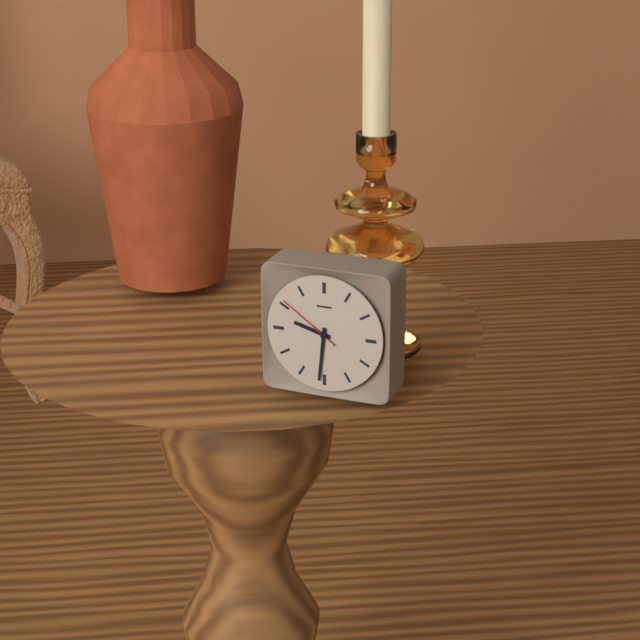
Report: 9.31.51
